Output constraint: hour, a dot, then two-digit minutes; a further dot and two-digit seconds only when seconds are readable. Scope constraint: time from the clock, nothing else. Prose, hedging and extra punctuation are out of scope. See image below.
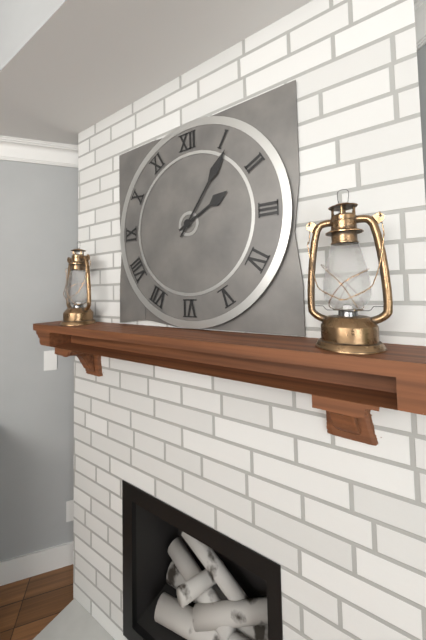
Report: 2.06
